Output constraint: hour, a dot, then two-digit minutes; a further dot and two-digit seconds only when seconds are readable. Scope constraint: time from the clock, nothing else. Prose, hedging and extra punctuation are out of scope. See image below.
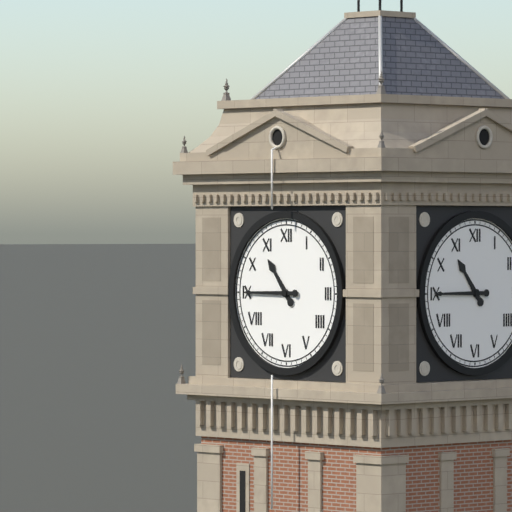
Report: 10.45
